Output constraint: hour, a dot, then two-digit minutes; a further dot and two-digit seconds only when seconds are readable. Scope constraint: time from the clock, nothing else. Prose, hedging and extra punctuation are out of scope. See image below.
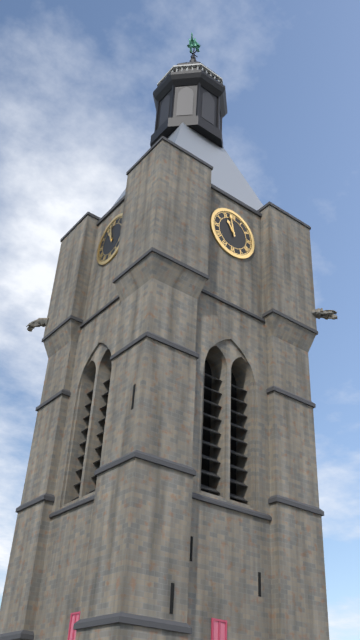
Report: 10.58
